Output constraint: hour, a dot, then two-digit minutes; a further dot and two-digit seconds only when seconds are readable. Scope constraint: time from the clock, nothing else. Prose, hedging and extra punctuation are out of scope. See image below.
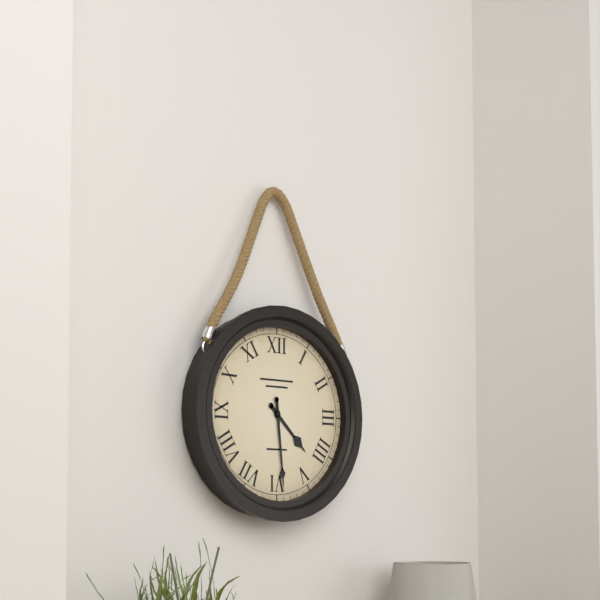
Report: 4.29
